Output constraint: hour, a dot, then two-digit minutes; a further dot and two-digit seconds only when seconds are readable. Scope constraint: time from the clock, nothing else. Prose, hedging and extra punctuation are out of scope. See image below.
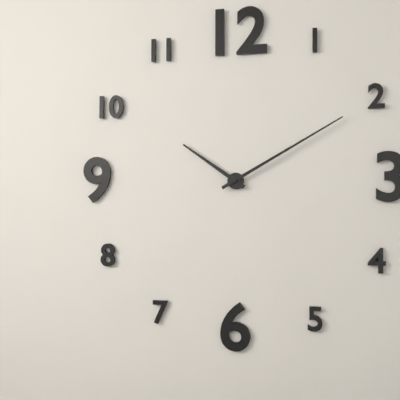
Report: 10.10
